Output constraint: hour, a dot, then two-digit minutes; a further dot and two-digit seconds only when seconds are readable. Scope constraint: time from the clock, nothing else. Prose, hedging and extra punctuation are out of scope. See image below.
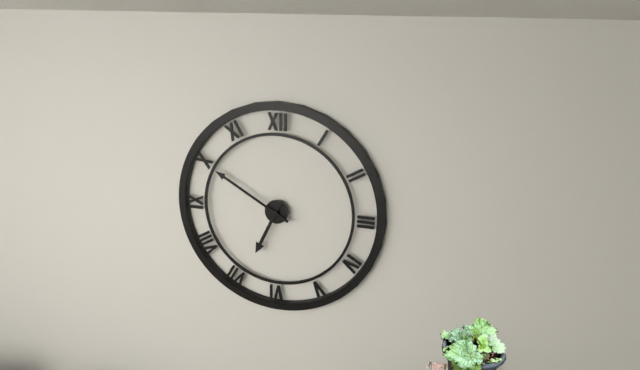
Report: 6.50
